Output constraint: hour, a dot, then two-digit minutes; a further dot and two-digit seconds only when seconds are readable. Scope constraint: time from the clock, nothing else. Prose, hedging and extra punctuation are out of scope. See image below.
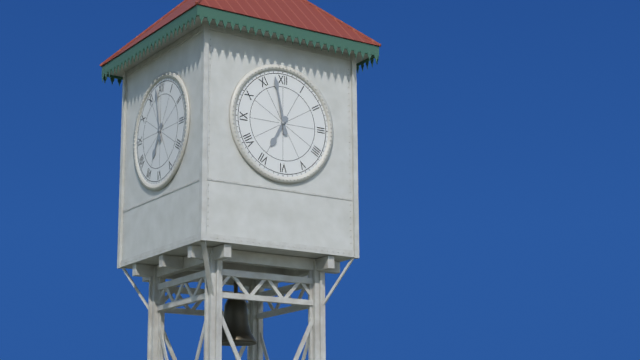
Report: 6.58
